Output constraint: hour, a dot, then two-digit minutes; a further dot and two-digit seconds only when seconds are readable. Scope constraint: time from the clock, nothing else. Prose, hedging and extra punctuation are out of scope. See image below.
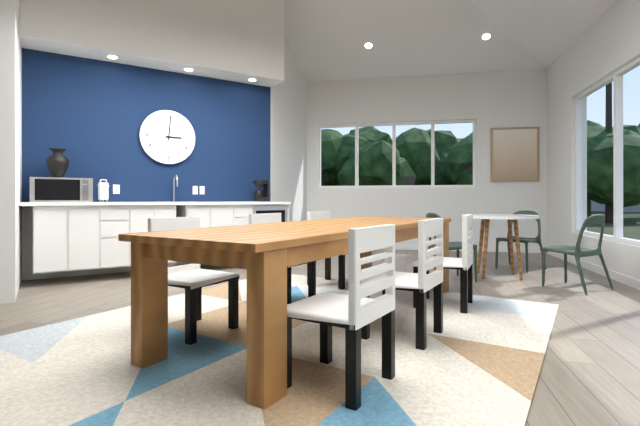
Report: 3.01
